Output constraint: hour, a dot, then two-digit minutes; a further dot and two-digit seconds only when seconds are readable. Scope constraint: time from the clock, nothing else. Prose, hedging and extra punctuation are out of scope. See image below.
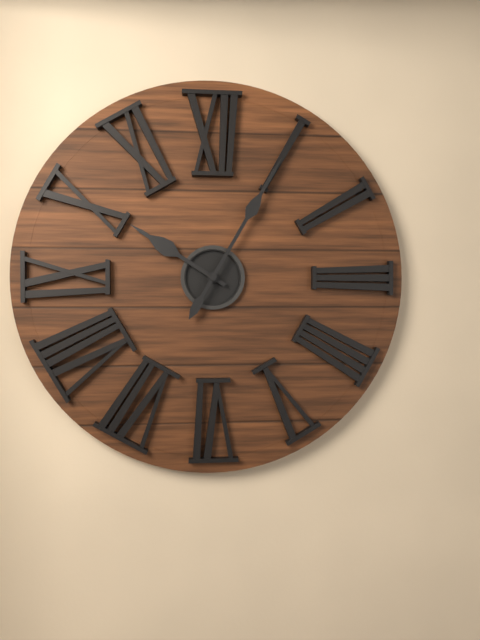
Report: 10.05
